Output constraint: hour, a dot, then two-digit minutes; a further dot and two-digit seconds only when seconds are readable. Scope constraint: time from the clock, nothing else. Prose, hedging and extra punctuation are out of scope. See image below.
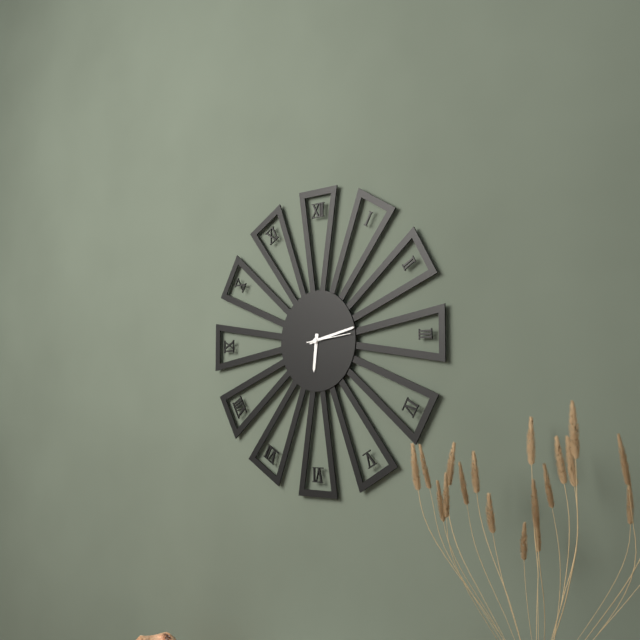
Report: 6.13
